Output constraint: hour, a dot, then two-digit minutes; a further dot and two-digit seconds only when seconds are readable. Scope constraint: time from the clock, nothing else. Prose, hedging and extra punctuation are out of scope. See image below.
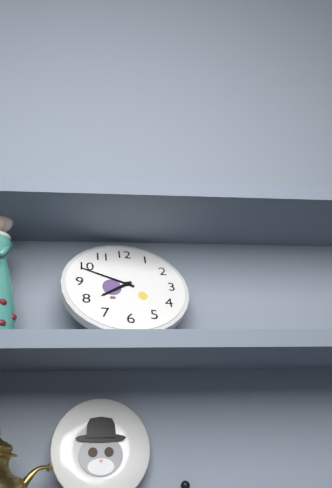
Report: 7.49
